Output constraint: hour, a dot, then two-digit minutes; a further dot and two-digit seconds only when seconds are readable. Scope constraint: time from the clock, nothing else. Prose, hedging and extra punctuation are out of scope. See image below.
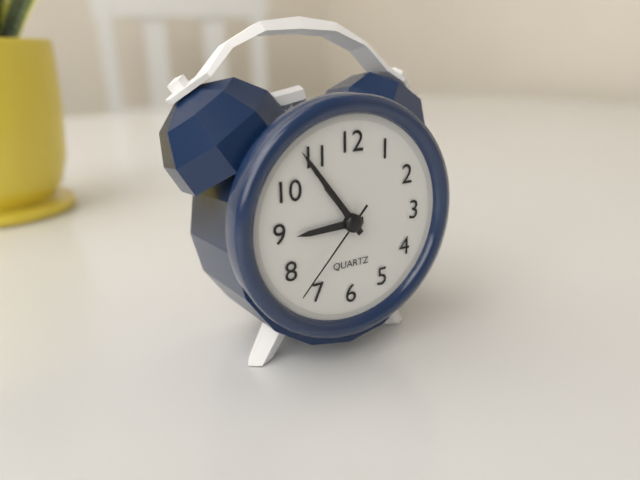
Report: 8.54.37
